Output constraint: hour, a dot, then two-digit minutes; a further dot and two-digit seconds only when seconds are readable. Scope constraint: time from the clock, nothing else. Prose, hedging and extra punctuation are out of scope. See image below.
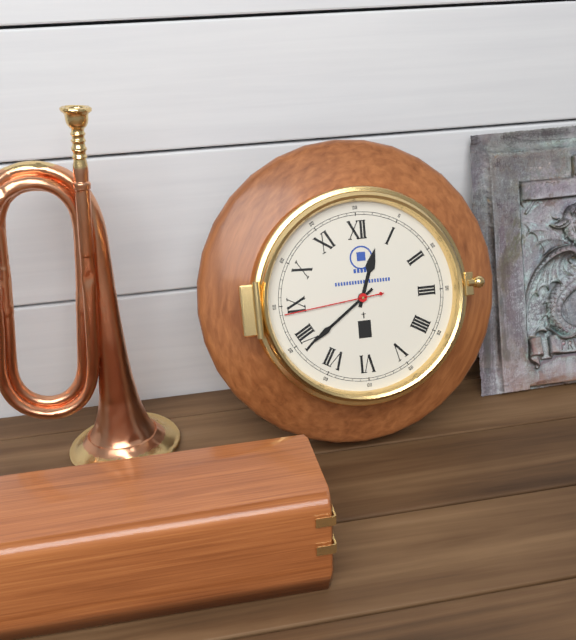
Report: 12.39.44
